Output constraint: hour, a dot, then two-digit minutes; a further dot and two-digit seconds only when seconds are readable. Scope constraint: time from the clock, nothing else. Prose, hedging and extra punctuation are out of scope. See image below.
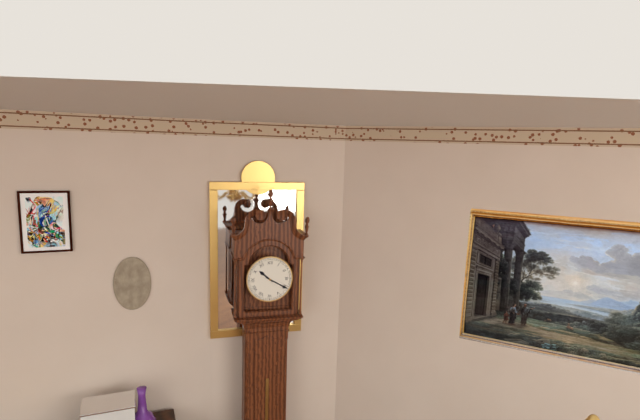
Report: 10.20
